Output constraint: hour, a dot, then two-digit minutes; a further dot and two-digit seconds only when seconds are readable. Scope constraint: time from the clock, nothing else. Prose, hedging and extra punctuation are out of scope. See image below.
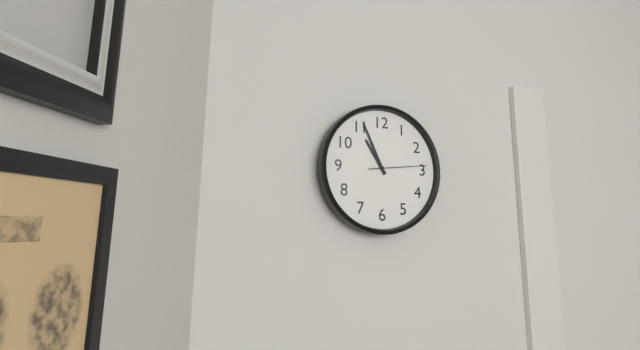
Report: 10.56.14
